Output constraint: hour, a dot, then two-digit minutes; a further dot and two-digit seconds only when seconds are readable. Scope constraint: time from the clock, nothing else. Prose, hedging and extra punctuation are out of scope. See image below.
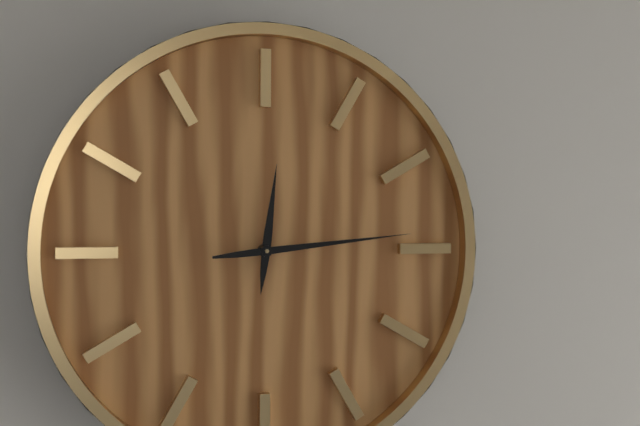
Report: 12.14
